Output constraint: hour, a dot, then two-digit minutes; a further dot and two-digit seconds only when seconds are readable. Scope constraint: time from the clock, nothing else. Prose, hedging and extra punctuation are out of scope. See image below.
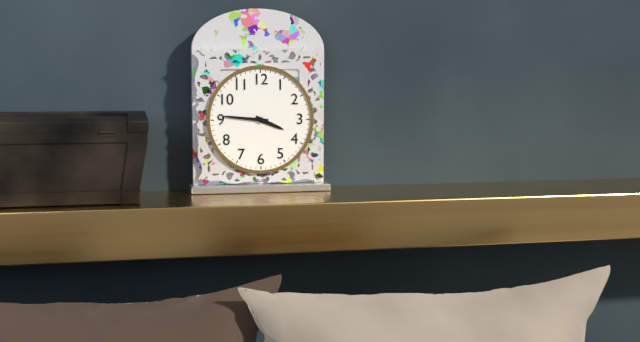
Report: 3.46
